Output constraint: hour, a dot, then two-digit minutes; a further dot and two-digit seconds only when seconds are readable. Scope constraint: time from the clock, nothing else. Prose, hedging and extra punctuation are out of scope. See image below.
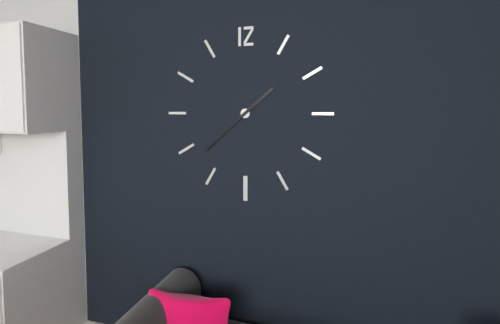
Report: 1.38
